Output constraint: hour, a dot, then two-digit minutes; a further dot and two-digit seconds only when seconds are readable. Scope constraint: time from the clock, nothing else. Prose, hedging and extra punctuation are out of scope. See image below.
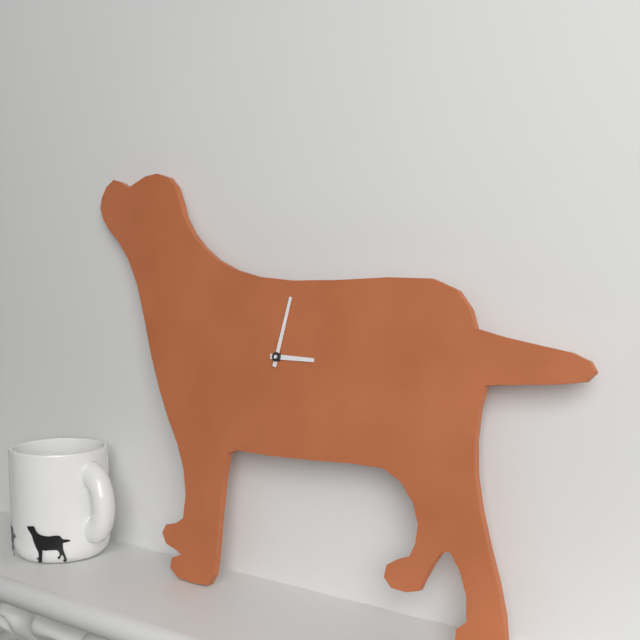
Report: 3.02
